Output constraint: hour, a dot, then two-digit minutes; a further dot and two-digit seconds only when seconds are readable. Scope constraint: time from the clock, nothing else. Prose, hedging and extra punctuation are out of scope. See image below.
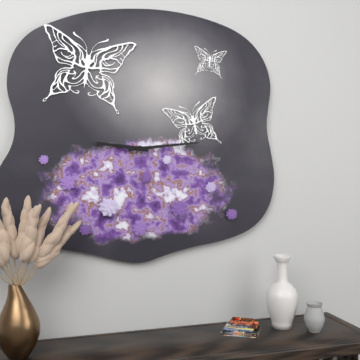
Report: 9.14
